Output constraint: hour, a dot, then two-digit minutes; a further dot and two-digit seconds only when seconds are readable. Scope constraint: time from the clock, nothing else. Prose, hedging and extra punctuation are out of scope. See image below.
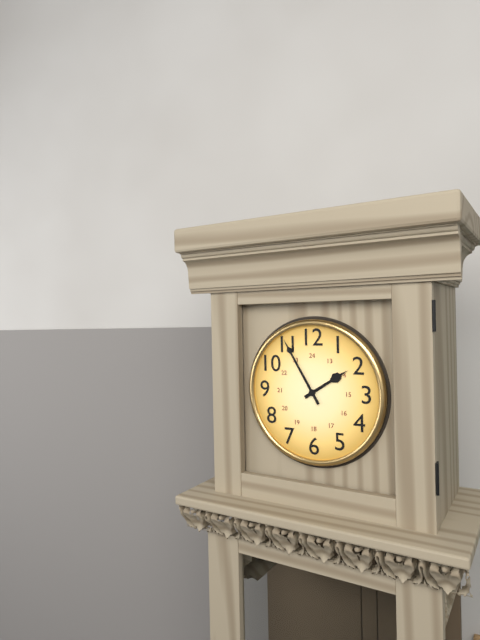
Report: 1.55
